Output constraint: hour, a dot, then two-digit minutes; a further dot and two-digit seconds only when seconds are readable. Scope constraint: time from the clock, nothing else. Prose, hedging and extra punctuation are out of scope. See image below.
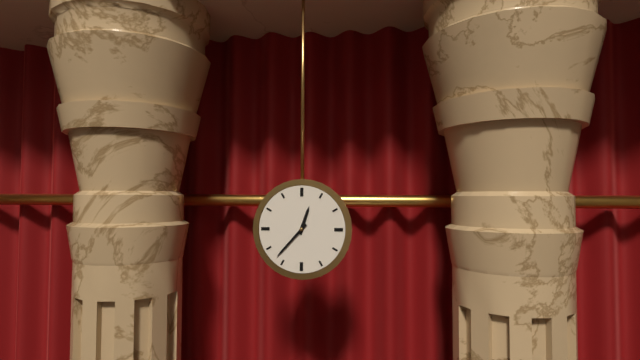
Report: 12.37
